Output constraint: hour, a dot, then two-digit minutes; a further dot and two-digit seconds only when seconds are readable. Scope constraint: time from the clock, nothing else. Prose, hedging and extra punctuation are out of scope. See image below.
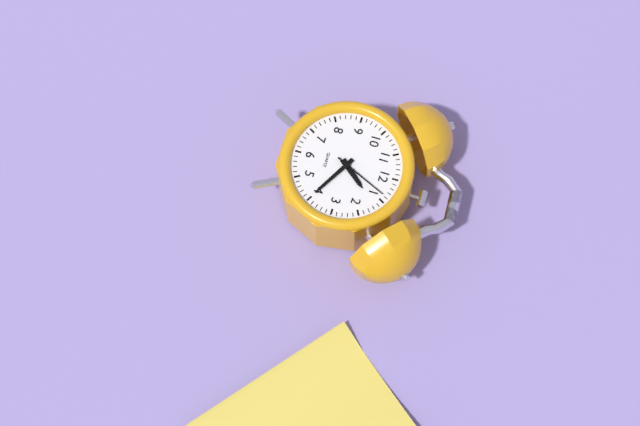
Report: 1.20.04
